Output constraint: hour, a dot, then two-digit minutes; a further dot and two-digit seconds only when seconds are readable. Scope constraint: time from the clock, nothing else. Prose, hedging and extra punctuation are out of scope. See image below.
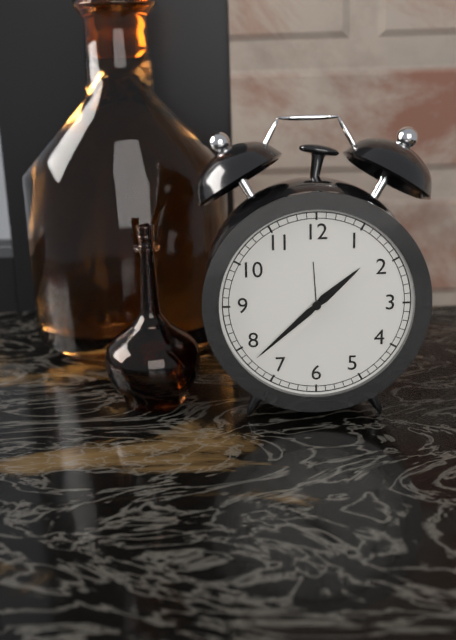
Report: 1.38
